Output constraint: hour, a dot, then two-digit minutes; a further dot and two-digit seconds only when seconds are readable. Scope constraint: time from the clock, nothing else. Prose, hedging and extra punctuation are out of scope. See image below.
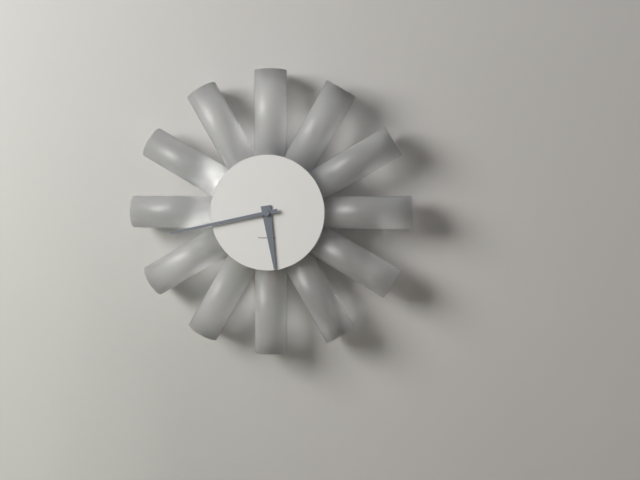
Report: 5.43
